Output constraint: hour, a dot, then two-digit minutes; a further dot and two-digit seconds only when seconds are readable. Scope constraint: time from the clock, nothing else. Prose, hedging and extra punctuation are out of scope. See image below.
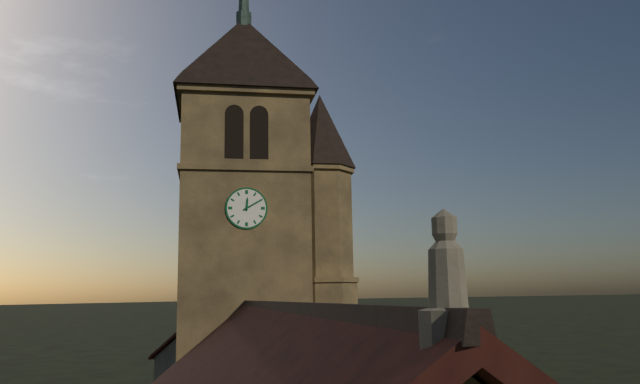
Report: 12.10
